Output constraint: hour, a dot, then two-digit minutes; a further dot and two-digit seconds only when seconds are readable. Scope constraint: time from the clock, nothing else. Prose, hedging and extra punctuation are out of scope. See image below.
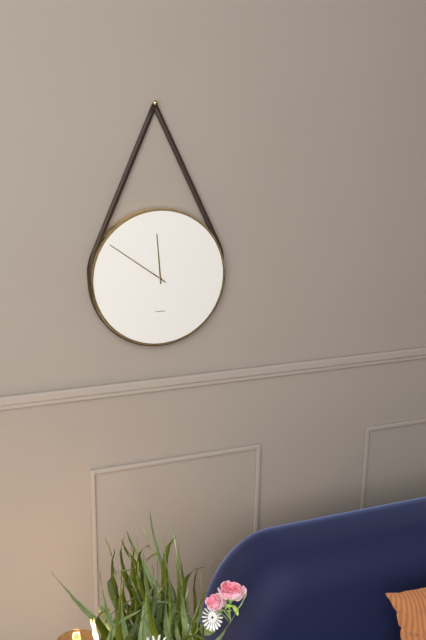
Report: 11.51
